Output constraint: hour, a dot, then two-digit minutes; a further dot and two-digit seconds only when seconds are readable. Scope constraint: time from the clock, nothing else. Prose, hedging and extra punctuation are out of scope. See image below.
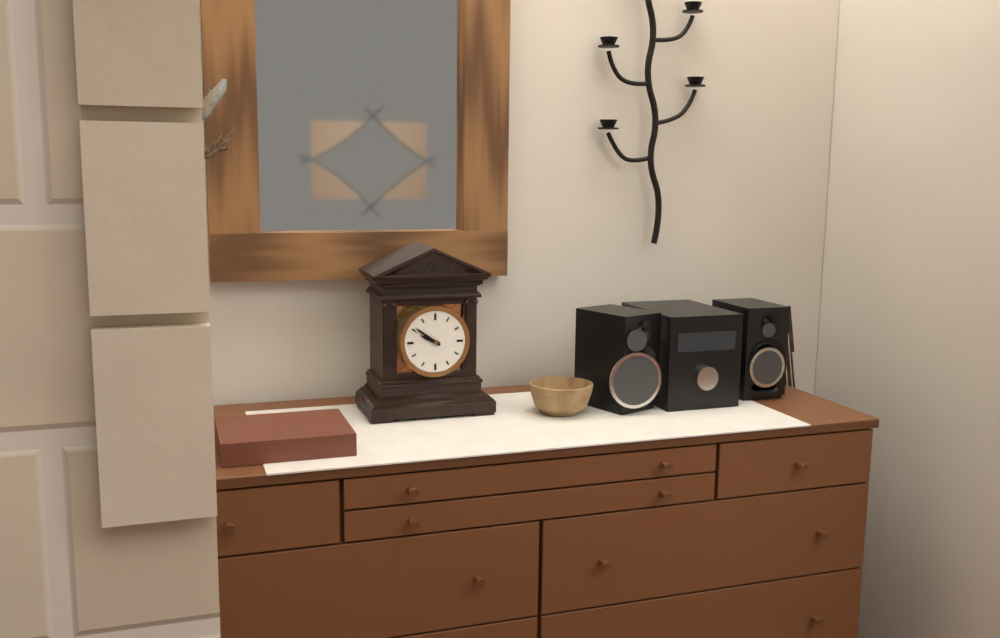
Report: 9.51
